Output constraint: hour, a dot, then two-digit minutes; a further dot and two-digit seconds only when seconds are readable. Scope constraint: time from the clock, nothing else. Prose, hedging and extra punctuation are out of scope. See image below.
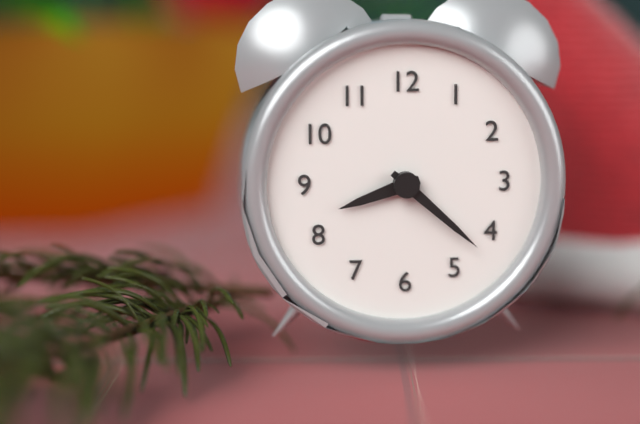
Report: 8.22
